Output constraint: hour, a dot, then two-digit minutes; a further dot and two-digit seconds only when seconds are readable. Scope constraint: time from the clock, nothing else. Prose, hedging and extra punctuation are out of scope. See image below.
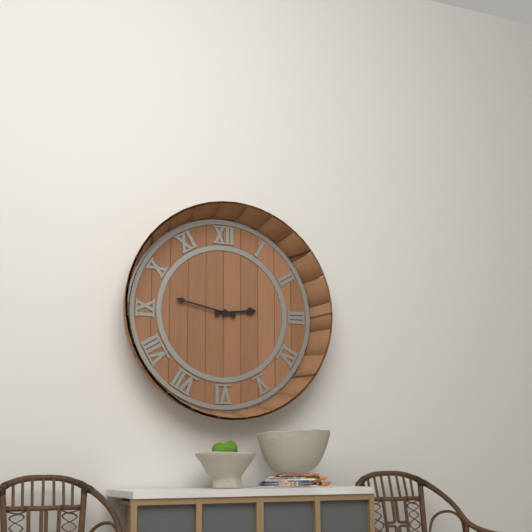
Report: 2.47
